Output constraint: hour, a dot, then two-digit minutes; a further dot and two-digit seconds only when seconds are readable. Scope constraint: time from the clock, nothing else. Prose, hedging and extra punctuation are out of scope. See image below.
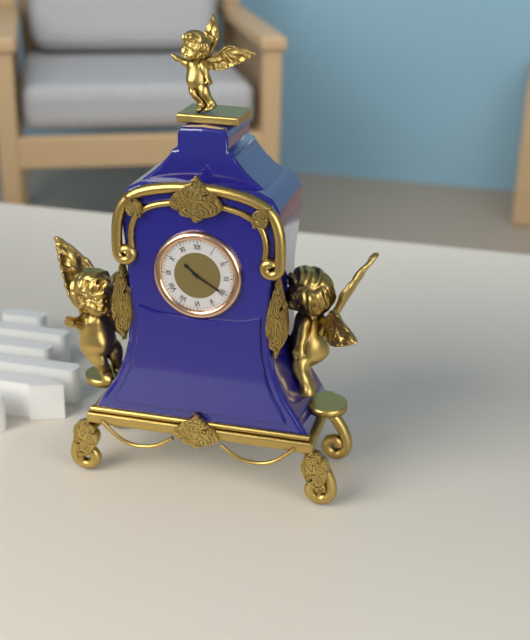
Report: 10.20
